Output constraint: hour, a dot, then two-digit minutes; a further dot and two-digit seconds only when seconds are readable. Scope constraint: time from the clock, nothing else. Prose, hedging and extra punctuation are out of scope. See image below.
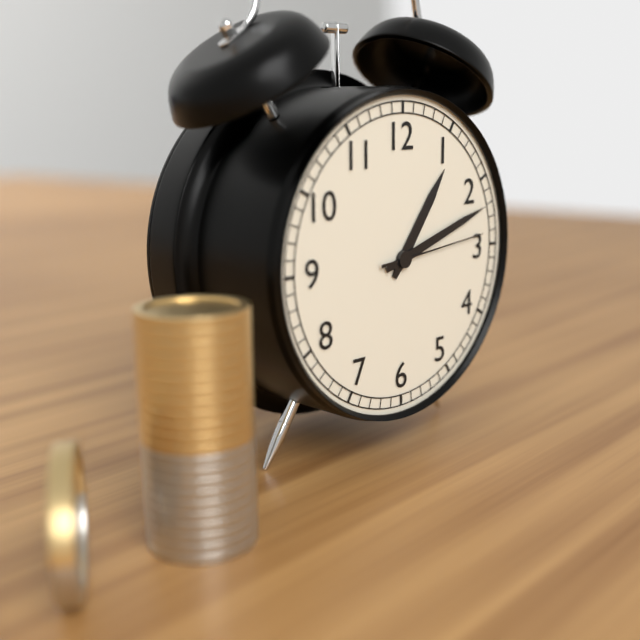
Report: 1.12.14
